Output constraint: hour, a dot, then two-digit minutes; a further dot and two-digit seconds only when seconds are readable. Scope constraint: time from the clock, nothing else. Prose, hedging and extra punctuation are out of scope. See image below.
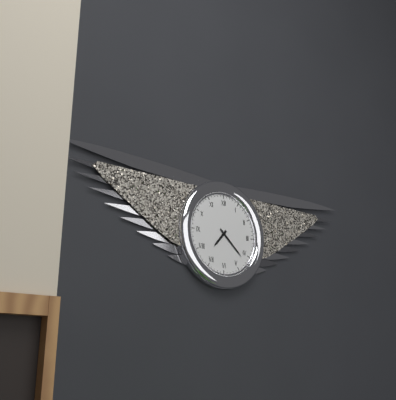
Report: 7.22
